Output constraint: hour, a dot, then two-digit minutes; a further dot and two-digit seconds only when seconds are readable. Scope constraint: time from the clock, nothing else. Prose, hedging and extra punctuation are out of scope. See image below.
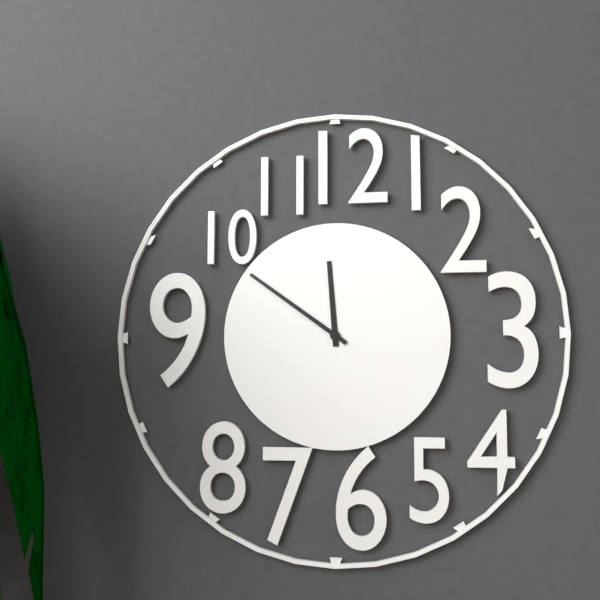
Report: 11.51
